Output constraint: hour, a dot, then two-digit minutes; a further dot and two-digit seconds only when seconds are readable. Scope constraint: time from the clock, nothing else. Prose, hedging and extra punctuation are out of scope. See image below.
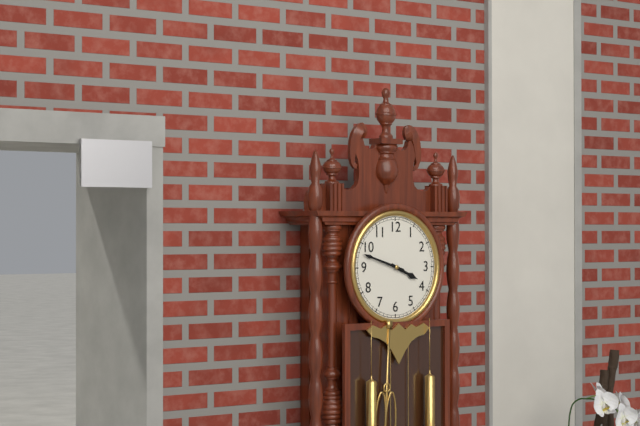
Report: 3.48
